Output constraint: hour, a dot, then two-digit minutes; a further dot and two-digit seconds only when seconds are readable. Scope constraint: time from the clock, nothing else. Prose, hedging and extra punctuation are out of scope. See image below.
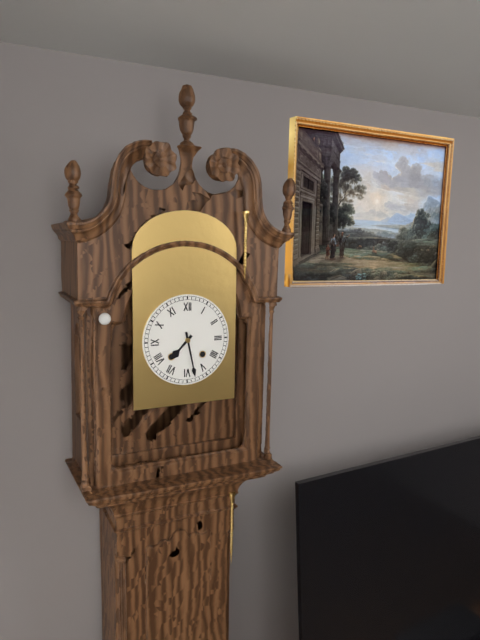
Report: 7.28
